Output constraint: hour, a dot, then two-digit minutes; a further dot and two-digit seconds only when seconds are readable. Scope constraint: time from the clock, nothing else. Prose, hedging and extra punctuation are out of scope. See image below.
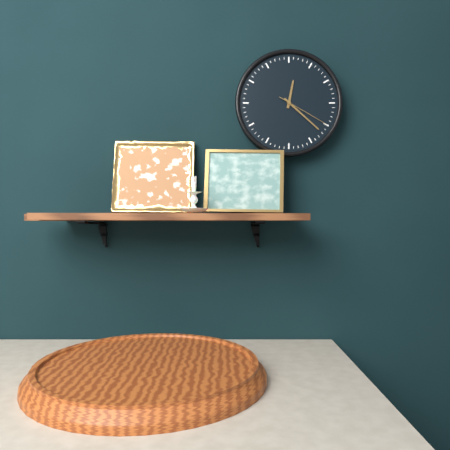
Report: 12.22.20
